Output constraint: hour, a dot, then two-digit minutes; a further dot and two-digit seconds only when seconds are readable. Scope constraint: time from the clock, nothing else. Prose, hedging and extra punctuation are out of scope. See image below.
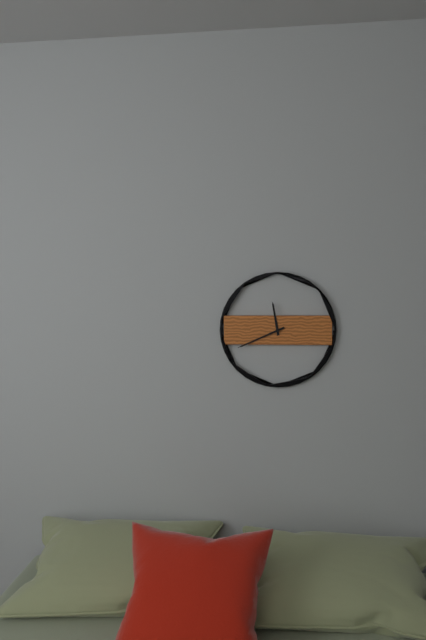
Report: 11.41
